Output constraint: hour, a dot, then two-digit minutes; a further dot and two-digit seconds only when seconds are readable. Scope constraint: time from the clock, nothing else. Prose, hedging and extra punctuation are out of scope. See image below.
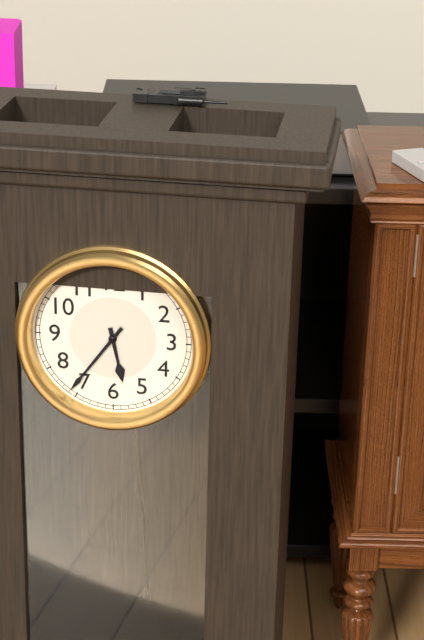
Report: 5.36
